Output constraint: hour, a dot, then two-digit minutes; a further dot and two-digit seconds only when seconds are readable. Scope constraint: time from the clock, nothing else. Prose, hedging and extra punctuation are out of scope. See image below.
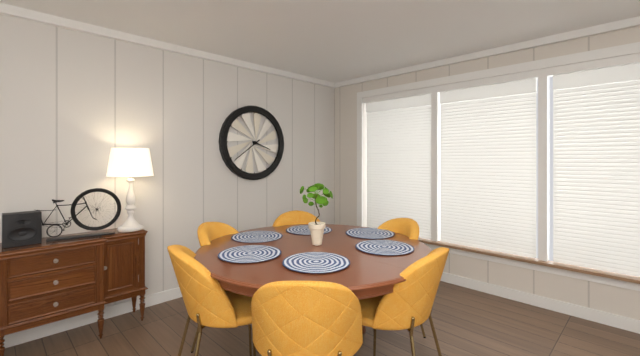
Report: 3.39
